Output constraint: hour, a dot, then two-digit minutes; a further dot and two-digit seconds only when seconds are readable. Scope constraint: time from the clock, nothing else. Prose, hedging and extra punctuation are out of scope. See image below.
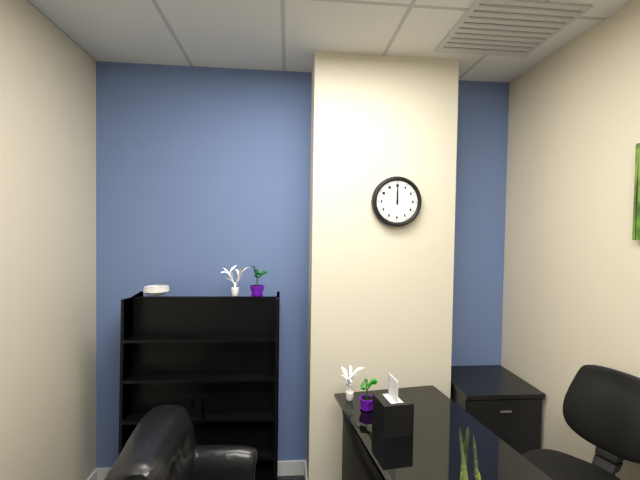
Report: 12.00
